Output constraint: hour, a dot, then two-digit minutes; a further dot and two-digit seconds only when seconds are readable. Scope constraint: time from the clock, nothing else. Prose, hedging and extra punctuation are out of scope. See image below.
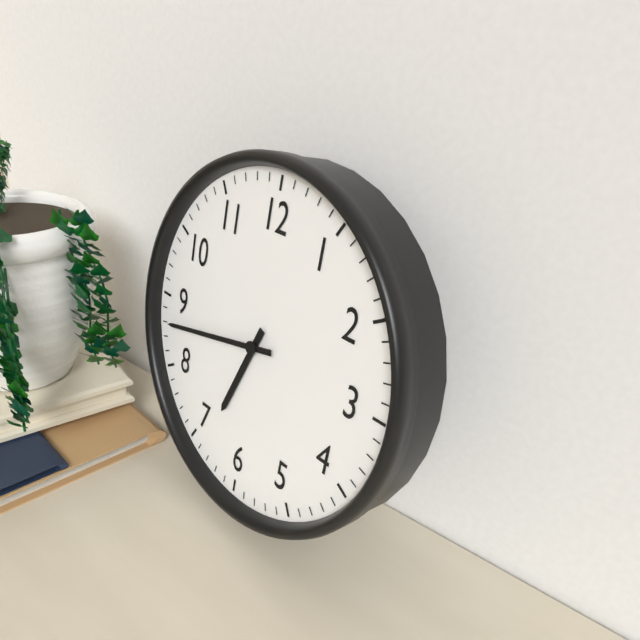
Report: 6.43
